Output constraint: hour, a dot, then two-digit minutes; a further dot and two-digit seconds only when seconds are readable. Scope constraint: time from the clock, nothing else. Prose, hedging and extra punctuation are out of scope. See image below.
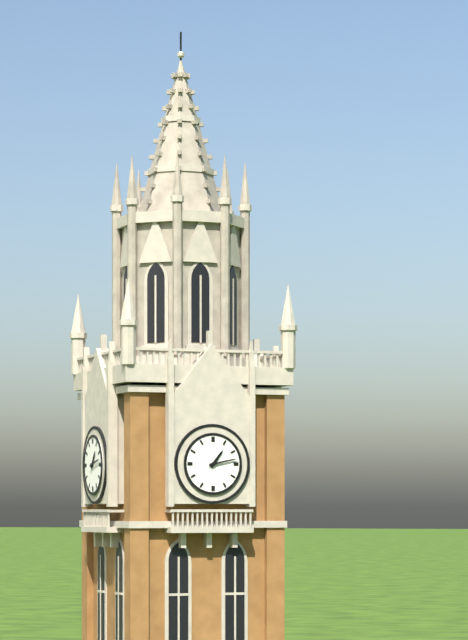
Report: 1.13
